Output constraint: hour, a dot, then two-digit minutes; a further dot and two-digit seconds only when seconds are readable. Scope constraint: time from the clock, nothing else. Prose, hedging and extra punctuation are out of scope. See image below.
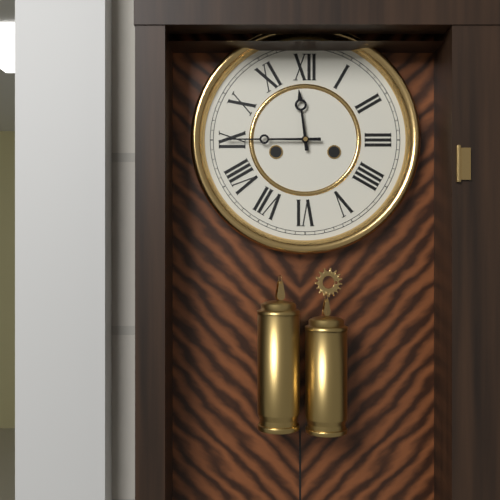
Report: 11.45
